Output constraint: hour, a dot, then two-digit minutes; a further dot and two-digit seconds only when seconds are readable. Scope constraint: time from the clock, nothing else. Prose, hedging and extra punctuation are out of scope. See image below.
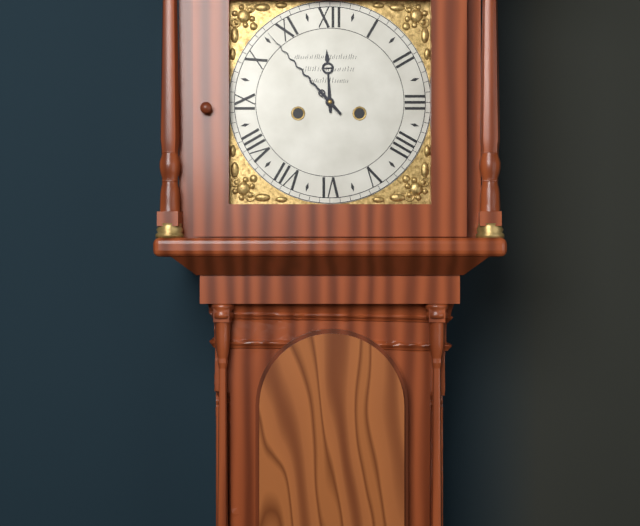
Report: 11.53
